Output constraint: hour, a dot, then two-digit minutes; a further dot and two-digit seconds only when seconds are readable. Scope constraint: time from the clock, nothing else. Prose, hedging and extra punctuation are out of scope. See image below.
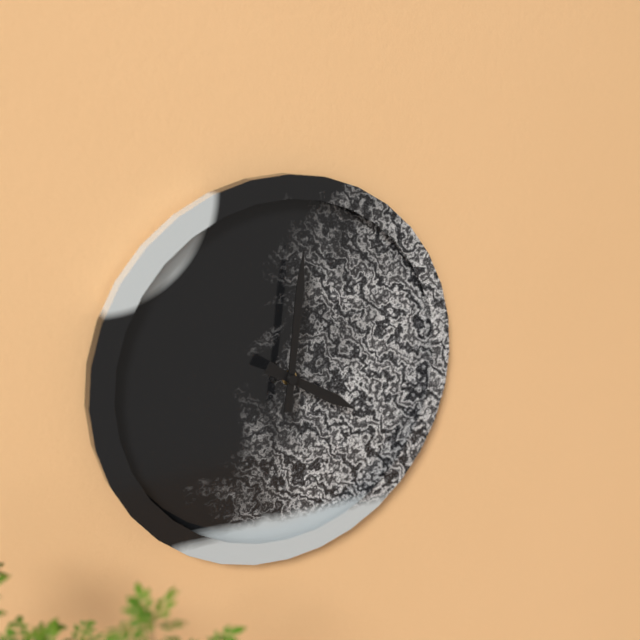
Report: 4.01
